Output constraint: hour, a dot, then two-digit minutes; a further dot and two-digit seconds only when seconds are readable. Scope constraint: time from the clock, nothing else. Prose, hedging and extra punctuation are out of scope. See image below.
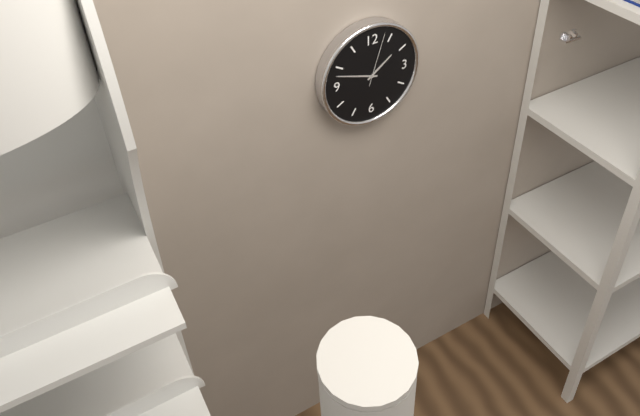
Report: 1.48.03
